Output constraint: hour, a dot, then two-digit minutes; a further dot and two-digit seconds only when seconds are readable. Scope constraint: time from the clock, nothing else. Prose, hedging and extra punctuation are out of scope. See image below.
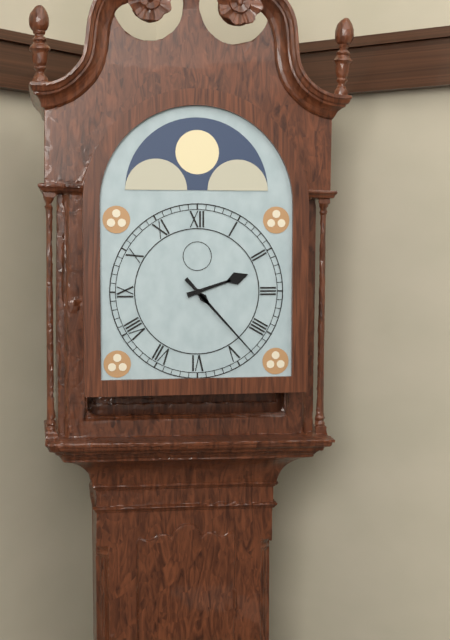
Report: 2.23
